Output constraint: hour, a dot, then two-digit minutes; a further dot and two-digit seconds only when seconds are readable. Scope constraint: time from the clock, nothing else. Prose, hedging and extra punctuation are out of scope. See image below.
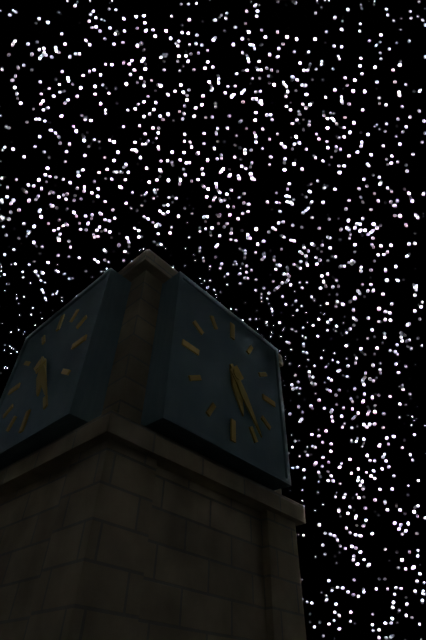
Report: 5.24
